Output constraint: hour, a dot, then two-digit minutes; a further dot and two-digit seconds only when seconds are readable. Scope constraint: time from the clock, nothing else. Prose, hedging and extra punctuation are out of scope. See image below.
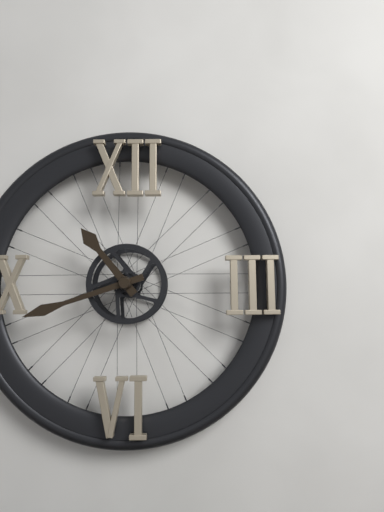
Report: 10.42
